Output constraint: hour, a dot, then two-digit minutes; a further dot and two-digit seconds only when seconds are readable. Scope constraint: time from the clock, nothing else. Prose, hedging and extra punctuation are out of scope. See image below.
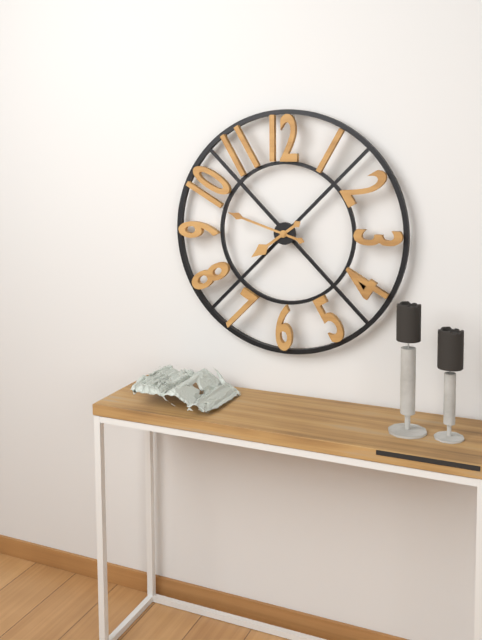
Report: 7.48
